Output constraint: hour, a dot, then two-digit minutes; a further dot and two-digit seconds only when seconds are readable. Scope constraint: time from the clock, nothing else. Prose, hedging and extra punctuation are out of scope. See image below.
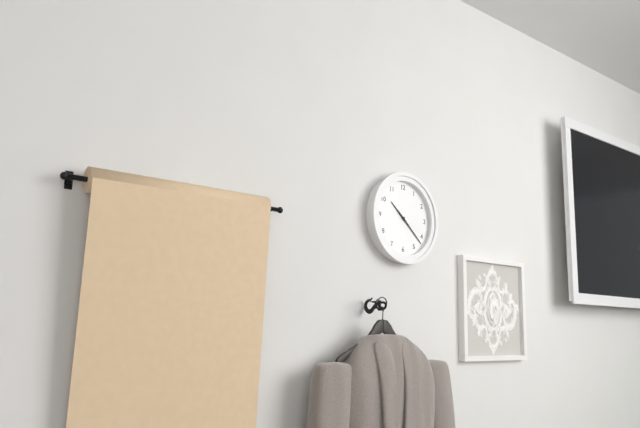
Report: 10.22
